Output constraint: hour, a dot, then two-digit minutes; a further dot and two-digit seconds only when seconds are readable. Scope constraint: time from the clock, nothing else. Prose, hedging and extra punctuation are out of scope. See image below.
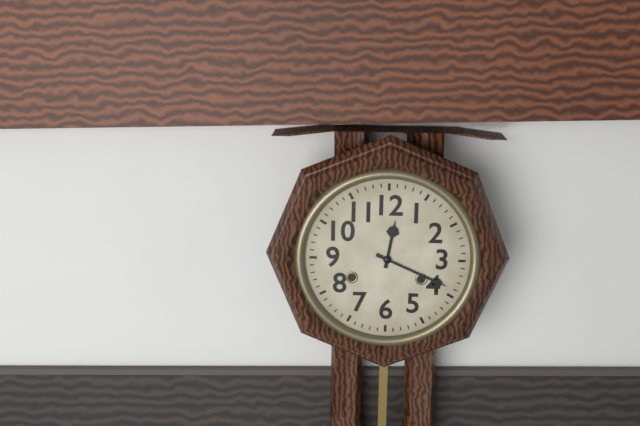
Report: 12.19
